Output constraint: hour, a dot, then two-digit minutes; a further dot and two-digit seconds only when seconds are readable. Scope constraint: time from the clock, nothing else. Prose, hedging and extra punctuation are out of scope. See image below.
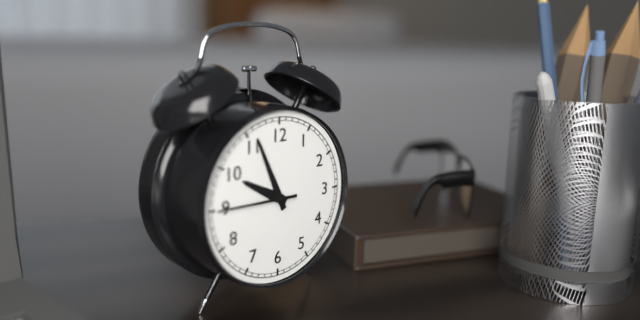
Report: 9.56.45
